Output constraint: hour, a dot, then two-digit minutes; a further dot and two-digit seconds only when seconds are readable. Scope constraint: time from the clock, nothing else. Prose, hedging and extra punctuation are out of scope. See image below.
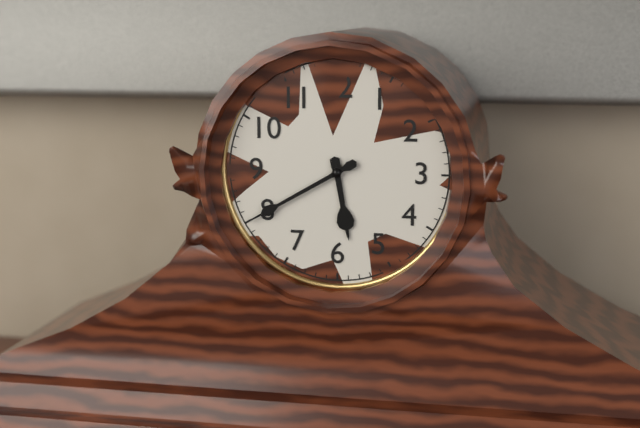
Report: 5.40
